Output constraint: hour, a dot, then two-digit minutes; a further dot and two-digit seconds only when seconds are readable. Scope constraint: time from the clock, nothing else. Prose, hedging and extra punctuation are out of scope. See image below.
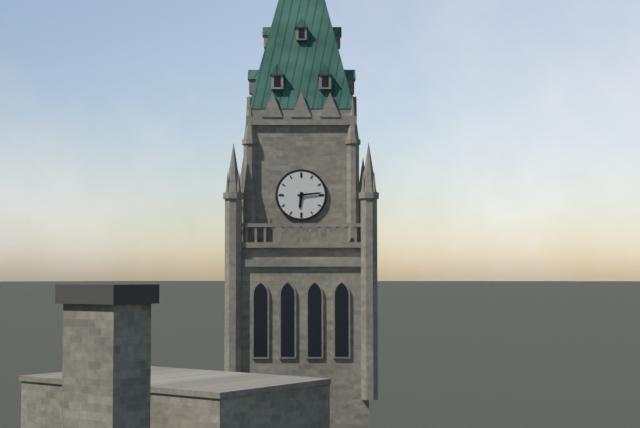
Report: 6.14
